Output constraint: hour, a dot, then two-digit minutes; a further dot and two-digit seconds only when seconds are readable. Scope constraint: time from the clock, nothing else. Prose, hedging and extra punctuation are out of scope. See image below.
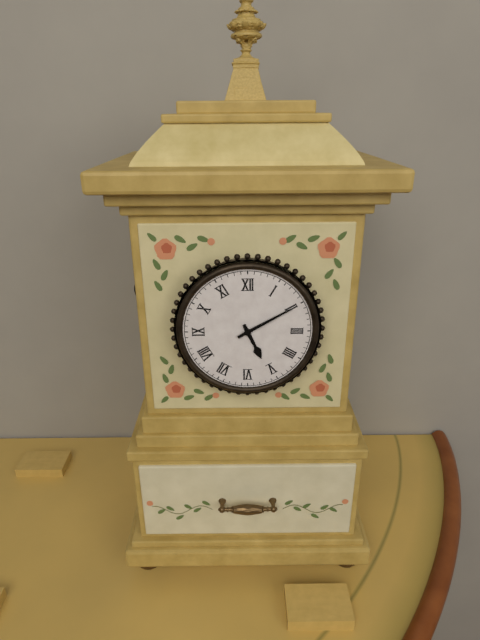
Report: 5.10
